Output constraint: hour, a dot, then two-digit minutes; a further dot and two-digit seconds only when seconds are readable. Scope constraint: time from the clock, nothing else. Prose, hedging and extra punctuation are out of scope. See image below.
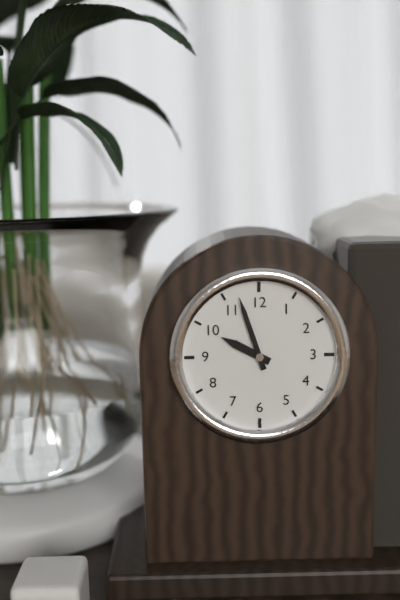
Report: 9.57
